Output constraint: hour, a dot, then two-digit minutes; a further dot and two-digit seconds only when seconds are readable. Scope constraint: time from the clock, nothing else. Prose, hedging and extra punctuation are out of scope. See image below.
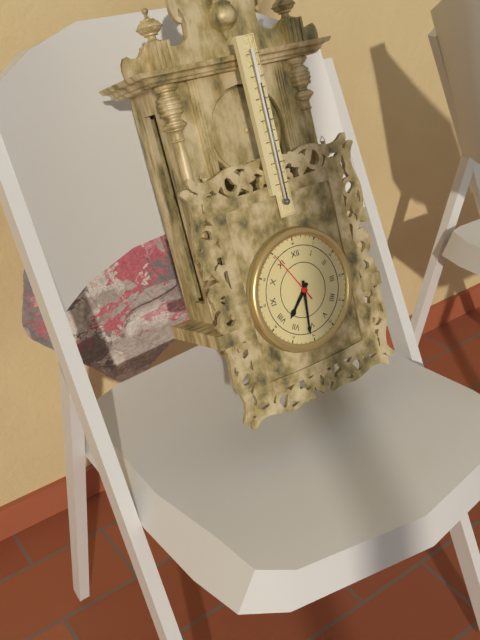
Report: 7.31.55
